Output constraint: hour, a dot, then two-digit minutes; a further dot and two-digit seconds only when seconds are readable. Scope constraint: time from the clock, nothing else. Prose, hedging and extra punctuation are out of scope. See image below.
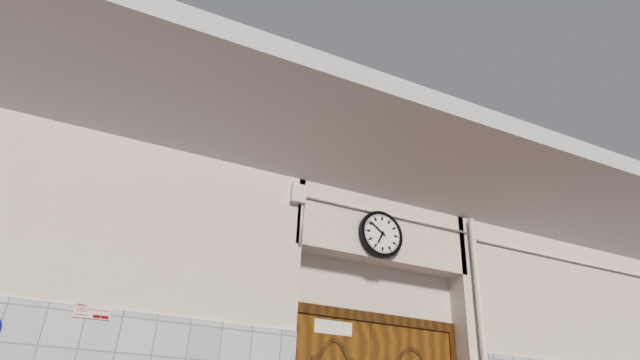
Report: 6.51
